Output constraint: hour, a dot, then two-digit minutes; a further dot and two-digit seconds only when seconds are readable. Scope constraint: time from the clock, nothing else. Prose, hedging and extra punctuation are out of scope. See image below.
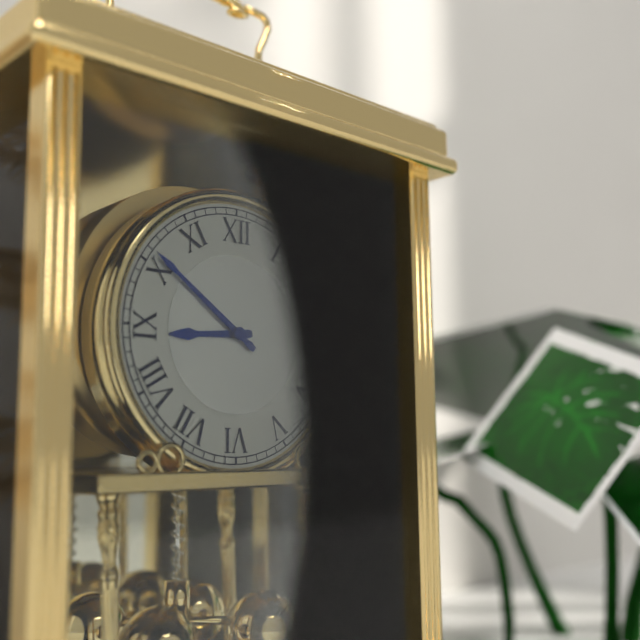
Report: 8.51
